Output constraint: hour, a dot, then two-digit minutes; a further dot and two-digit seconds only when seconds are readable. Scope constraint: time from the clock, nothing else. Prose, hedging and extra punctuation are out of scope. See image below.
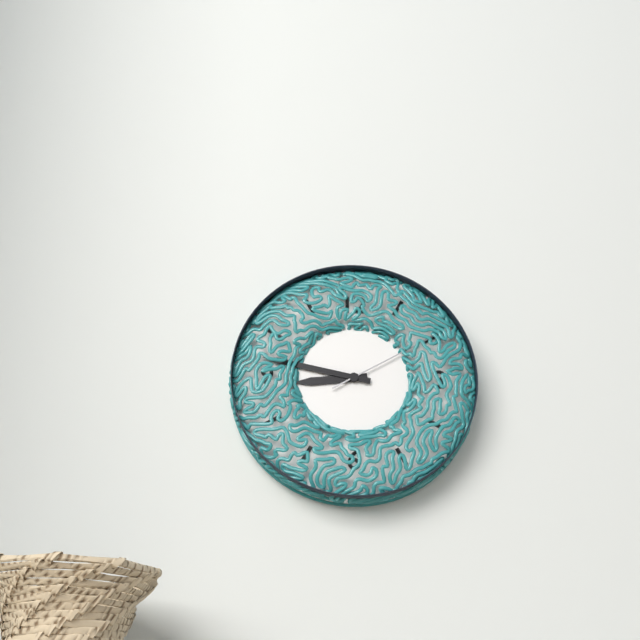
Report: 8.47.10
